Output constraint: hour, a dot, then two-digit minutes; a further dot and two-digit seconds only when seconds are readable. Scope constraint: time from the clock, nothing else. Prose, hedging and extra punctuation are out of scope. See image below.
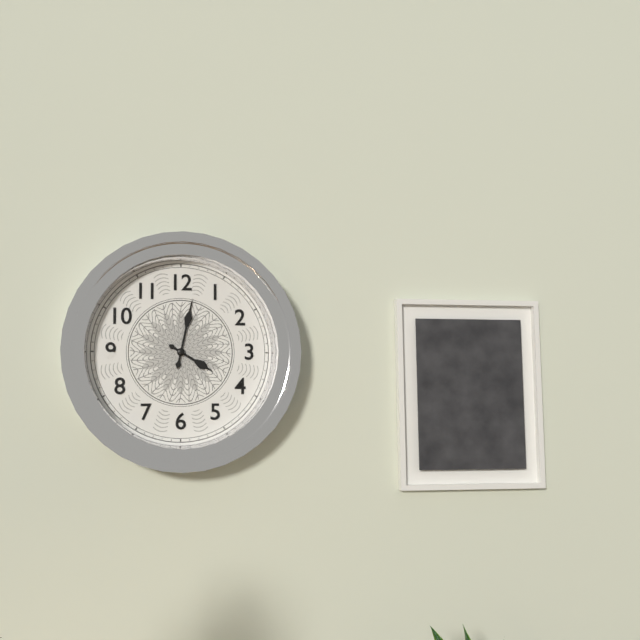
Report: 4.02
